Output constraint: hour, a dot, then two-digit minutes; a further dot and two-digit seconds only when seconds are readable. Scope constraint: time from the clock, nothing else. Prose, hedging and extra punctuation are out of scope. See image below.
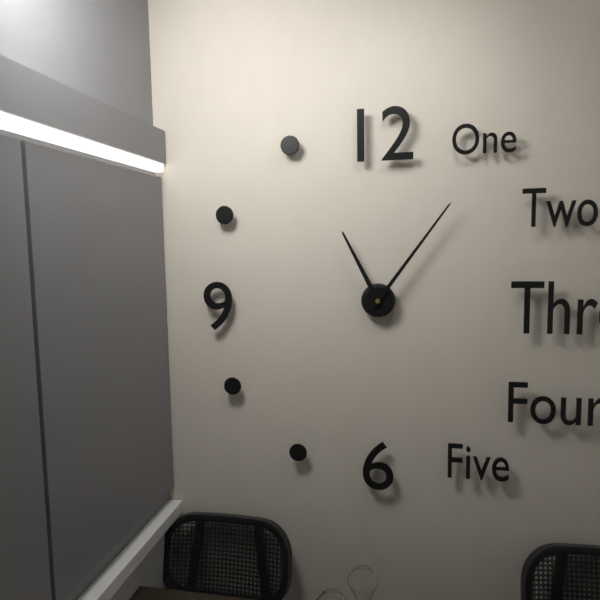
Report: 11.06
